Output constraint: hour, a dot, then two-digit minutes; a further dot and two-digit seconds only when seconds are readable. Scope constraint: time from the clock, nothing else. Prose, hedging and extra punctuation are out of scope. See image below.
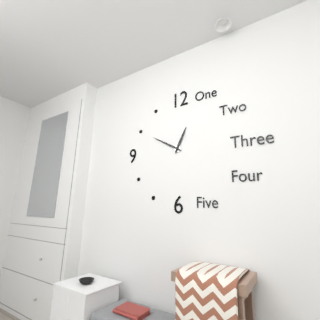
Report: 12.50
